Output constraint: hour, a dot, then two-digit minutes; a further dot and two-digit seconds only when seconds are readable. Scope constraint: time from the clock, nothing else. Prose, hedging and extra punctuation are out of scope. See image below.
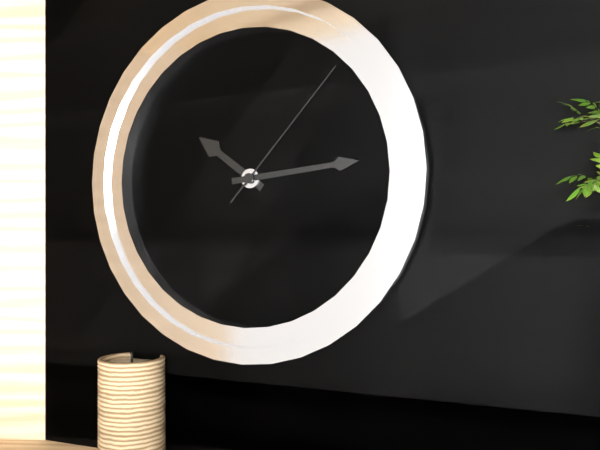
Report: 10.14.07
